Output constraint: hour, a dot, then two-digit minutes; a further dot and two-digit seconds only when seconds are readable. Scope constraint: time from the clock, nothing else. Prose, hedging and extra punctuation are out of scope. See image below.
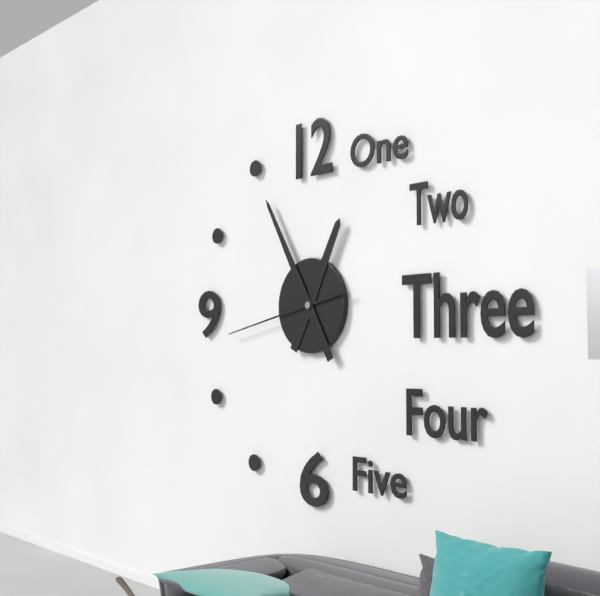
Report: 12.55.43
